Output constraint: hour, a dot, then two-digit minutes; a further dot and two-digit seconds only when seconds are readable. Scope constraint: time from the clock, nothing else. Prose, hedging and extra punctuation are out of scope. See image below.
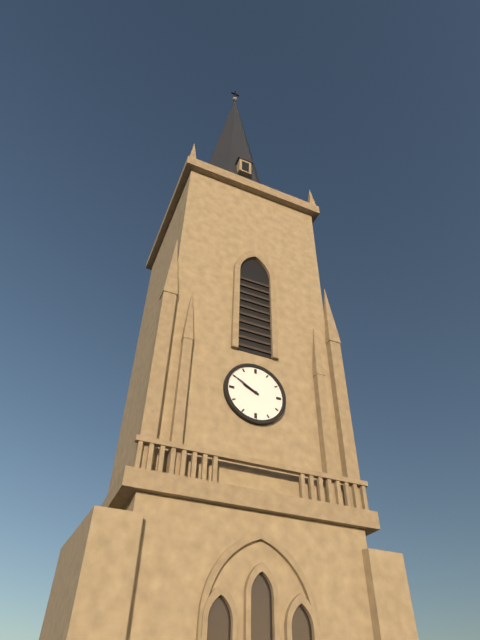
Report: 9.50
